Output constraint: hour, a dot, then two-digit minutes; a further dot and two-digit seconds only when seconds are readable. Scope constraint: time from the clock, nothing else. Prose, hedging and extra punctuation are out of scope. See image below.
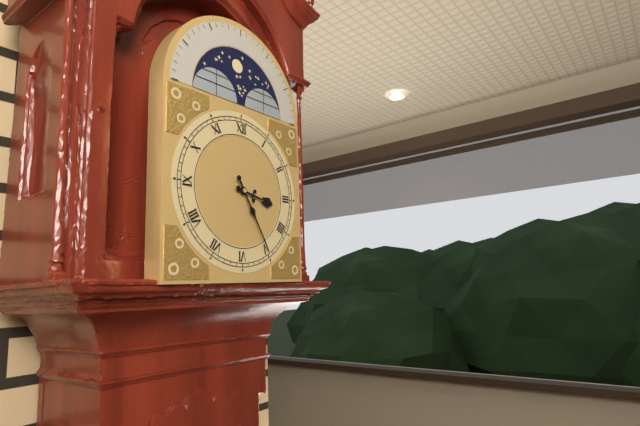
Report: 3.25
